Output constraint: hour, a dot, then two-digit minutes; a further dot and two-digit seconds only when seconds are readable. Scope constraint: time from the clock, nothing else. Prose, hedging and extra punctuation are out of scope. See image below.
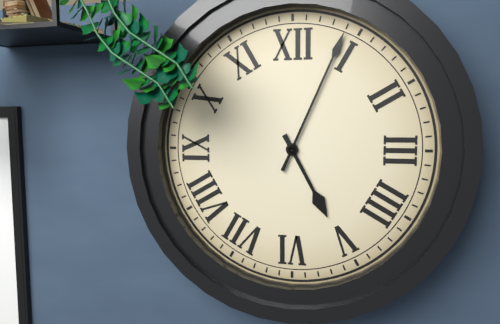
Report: 5.04
